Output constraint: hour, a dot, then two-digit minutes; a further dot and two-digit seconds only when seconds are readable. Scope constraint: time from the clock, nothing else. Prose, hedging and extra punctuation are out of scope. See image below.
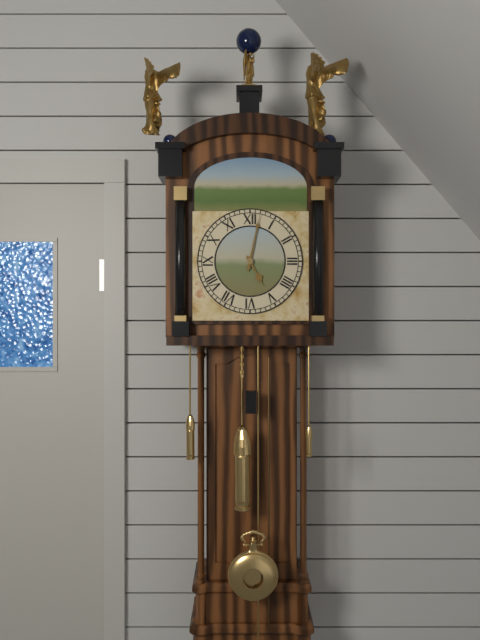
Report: 5.02
